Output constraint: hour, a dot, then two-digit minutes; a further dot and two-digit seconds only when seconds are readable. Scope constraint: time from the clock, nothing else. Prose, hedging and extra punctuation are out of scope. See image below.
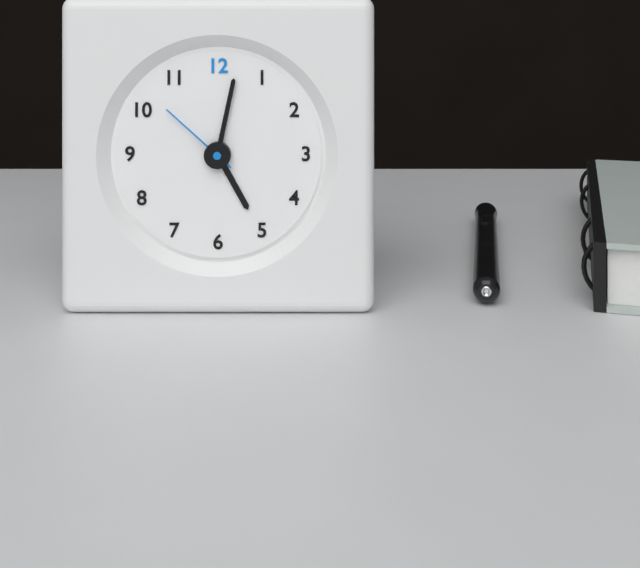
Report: 5.02.52
